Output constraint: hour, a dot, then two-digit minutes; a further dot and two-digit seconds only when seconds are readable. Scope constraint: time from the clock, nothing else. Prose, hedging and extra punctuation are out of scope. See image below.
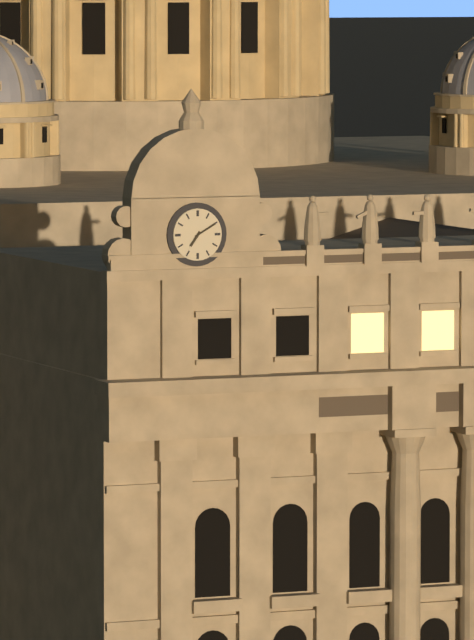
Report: 7.10
